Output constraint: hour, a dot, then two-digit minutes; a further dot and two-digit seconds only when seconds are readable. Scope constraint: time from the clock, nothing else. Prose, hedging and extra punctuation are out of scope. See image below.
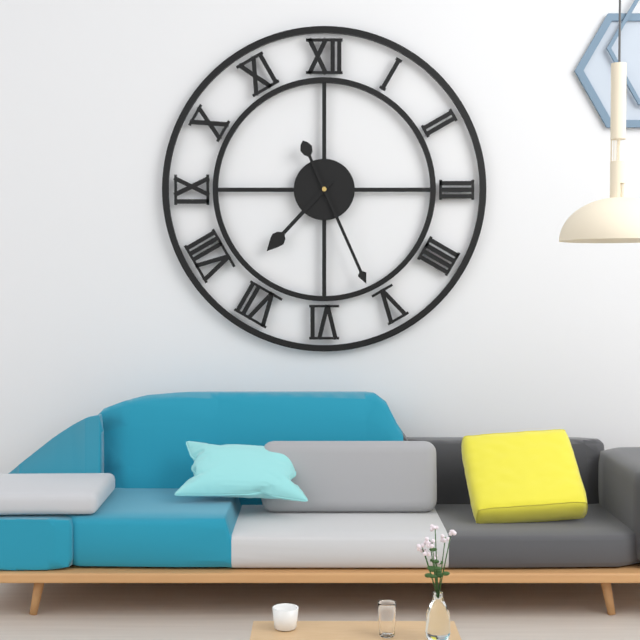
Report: 7.26
